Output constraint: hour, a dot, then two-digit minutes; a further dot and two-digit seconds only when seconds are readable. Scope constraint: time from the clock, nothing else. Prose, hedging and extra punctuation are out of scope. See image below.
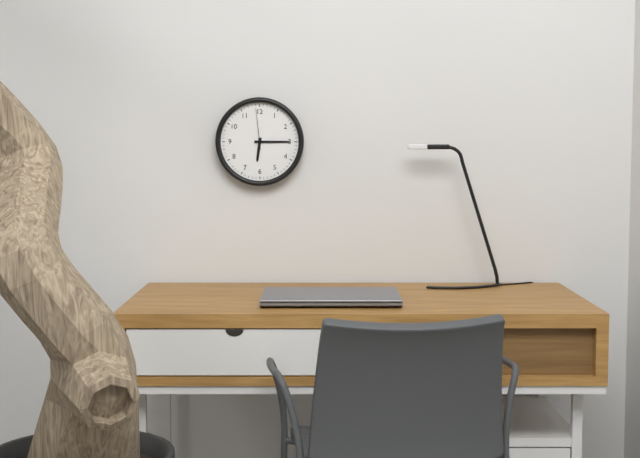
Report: 6.15
